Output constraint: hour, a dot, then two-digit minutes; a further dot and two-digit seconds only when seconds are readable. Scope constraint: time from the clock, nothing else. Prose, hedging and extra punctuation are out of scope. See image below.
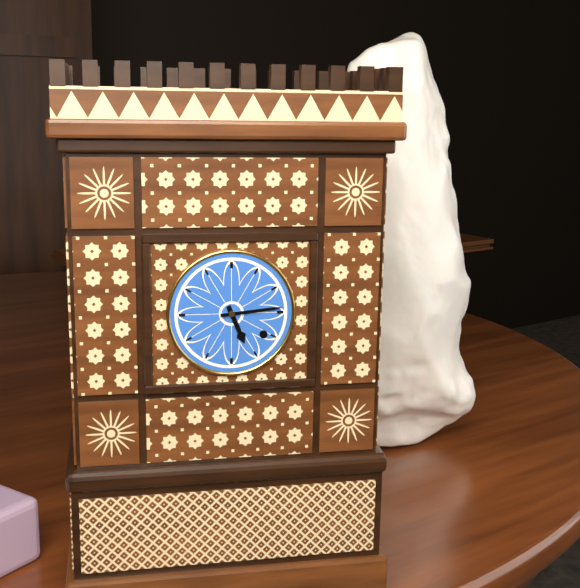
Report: 5.14
